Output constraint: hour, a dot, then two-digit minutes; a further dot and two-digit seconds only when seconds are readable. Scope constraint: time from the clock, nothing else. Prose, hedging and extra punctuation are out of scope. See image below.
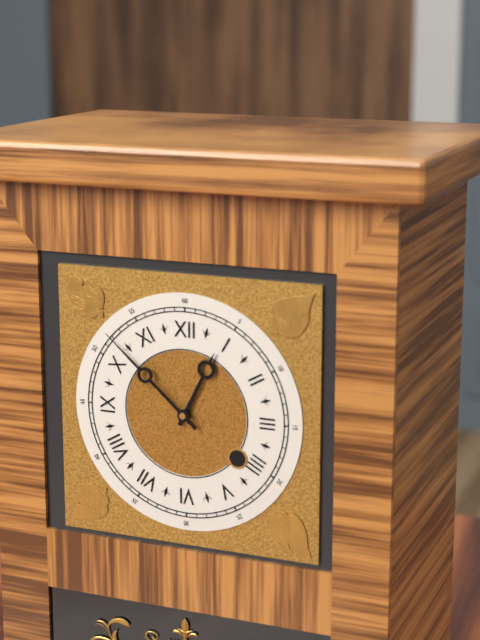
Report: 12.52
